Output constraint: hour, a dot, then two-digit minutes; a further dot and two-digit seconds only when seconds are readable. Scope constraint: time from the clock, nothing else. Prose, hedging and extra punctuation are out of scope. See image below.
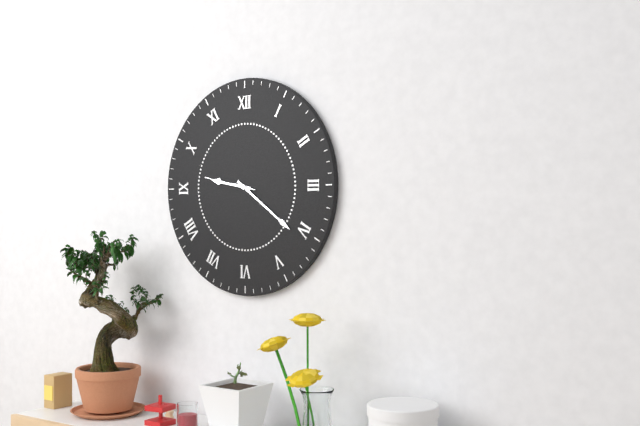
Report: 9.21.47
